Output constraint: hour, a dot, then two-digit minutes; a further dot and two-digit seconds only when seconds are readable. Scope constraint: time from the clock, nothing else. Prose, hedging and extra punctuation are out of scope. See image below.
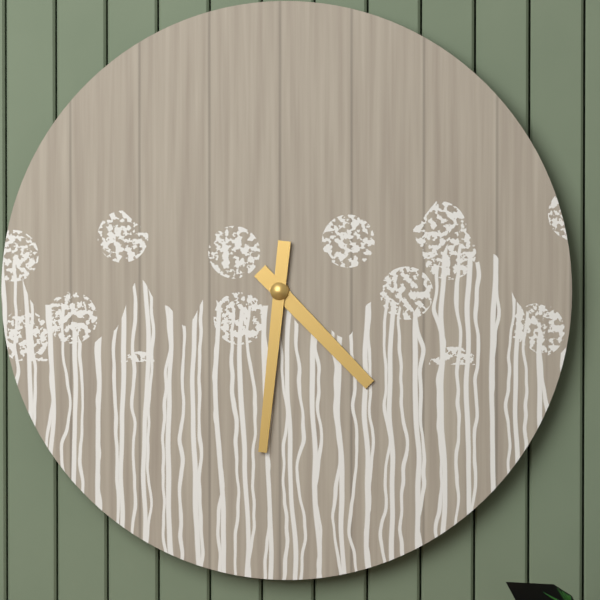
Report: 4.31
